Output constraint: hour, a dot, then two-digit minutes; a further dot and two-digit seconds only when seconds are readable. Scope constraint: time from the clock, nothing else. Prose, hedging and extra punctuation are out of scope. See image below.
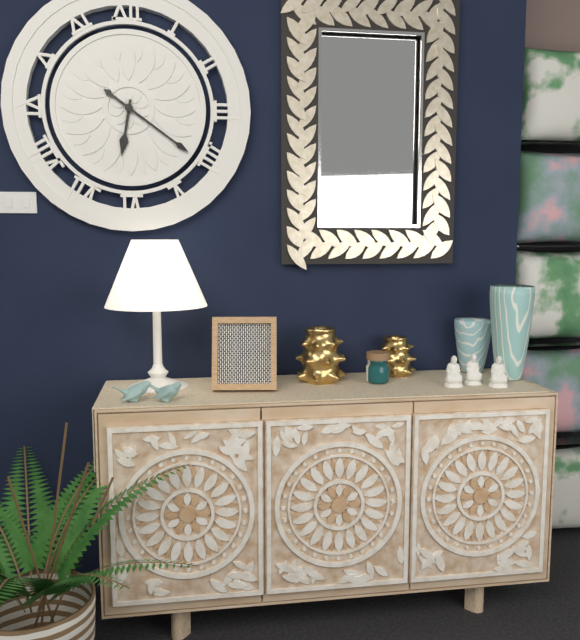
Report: 6.21
